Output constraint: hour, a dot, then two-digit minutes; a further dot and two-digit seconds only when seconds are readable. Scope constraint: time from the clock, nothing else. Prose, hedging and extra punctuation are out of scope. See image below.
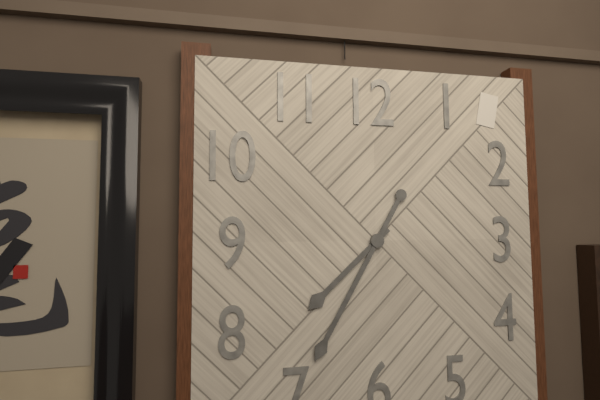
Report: 7.35
